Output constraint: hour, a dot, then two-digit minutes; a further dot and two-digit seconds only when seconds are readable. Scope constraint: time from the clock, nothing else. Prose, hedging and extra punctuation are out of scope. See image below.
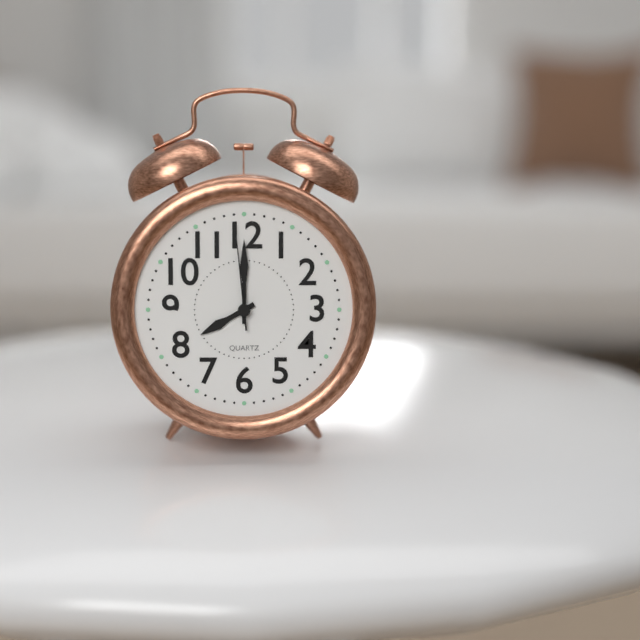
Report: 8.00.59
